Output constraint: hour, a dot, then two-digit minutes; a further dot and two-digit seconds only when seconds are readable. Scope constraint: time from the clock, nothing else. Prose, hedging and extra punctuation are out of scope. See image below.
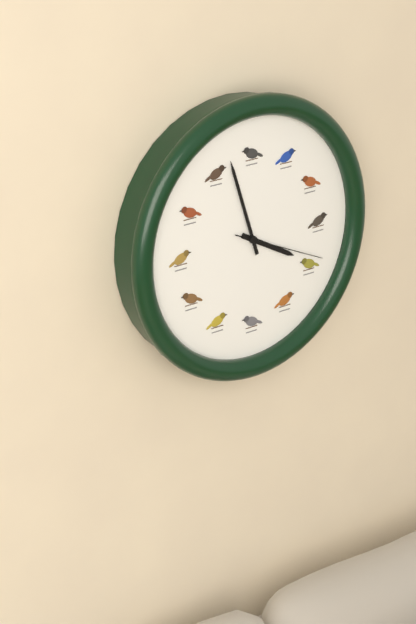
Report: 3.57.19
